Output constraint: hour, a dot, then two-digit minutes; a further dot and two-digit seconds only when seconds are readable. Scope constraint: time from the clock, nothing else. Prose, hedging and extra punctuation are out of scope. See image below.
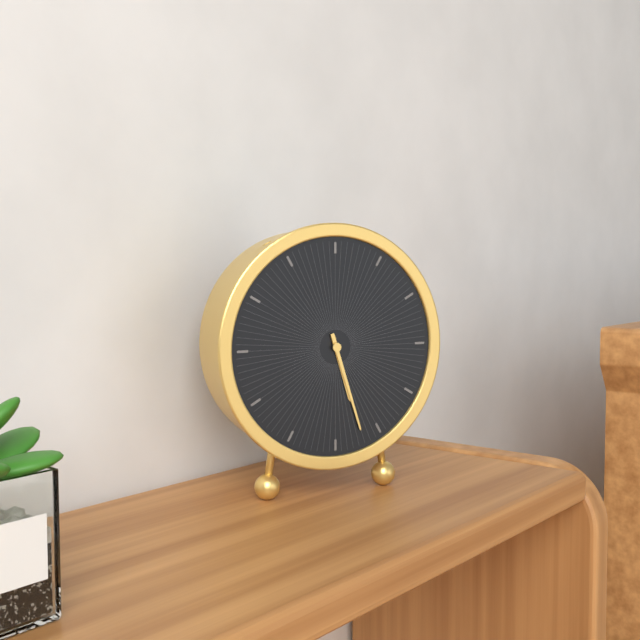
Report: 5.27
